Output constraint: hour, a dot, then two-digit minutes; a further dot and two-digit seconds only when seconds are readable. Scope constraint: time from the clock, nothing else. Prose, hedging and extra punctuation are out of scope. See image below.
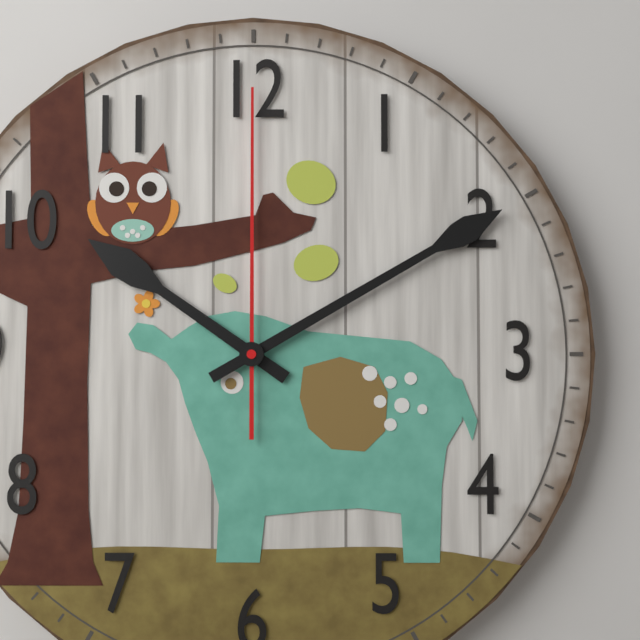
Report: 10.10.00
